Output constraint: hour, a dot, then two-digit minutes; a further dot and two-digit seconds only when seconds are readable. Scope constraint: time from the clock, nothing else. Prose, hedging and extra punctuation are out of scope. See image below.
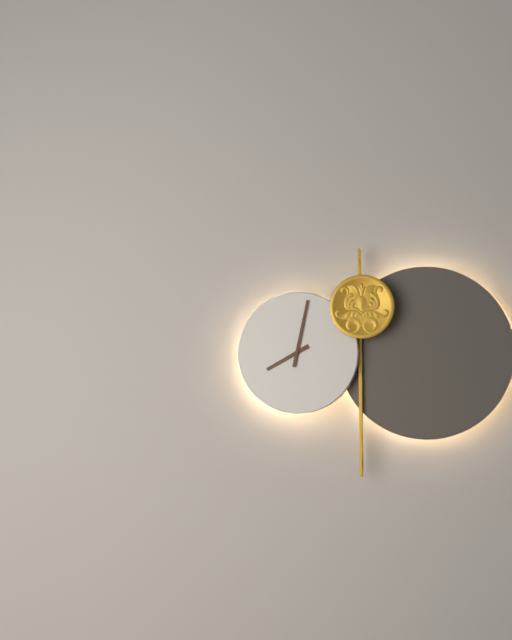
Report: 8.02
